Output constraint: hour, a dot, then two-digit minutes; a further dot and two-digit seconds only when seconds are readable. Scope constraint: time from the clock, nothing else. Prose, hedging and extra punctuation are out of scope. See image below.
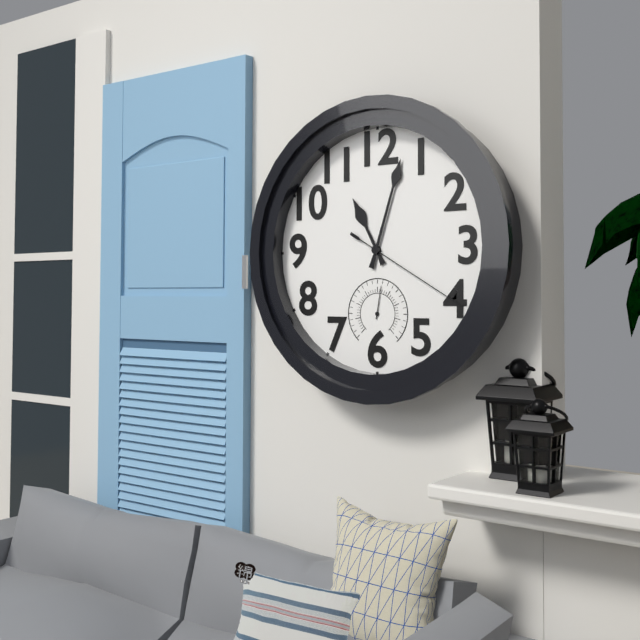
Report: 11.03.20
